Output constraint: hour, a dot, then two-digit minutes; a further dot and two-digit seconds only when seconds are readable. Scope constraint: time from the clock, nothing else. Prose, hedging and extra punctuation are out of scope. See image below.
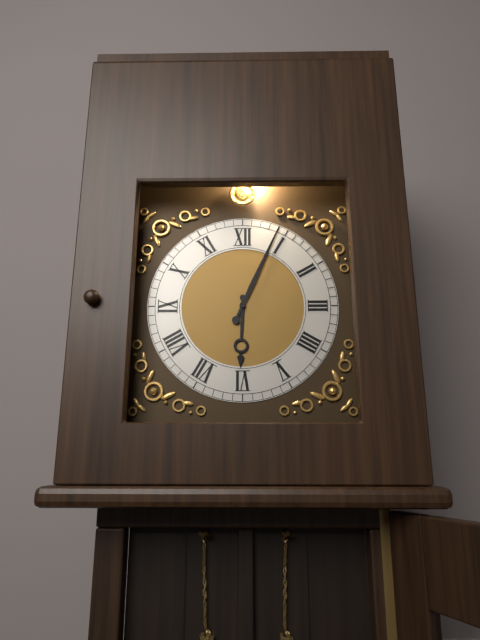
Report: 6.04
